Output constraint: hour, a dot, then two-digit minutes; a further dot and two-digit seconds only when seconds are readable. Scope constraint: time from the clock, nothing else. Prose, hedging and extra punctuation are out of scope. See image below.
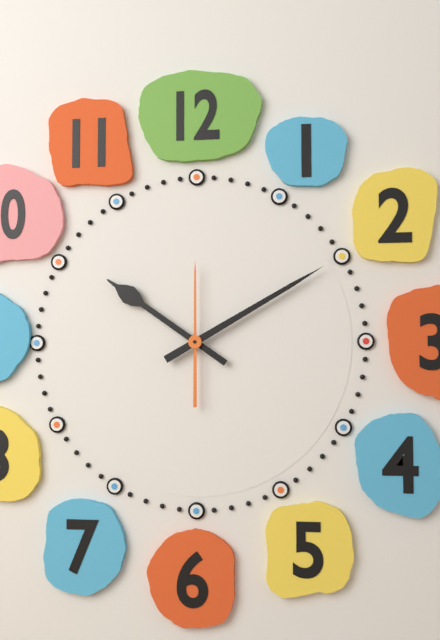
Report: 10.10.00
